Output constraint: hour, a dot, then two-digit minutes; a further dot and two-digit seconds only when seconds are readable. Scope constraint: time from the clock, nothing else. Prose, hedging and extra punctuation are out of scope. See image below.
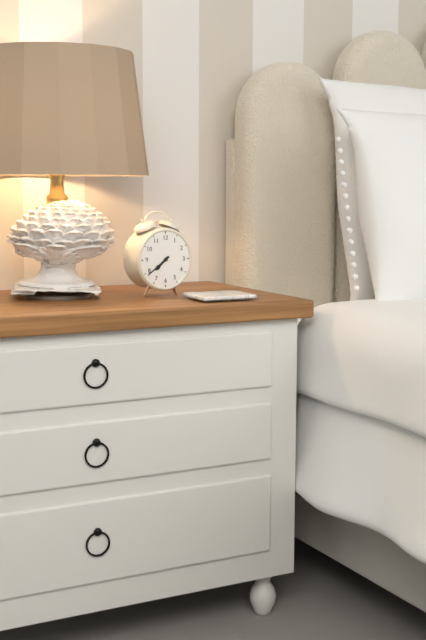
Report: 7.39
